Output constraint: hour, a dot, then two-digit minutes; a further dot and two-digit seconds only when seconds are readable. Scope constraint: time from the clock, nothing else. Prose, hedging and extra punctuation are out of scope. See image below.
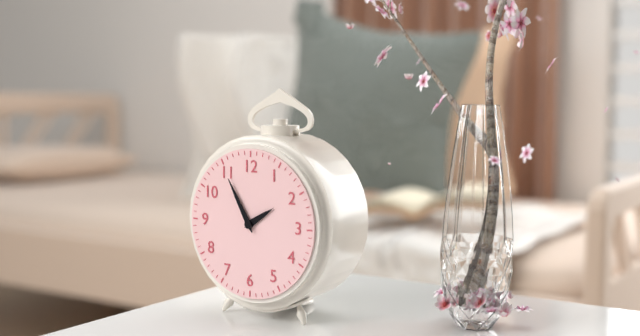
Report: 1.55
